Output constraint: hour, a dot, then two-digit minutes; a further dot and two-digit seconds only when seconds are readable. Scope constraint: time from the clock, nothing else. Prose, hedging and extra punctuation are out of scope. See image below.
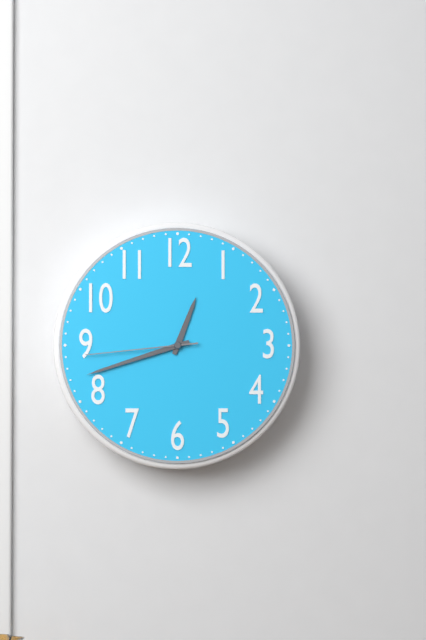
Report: 12.42.44
